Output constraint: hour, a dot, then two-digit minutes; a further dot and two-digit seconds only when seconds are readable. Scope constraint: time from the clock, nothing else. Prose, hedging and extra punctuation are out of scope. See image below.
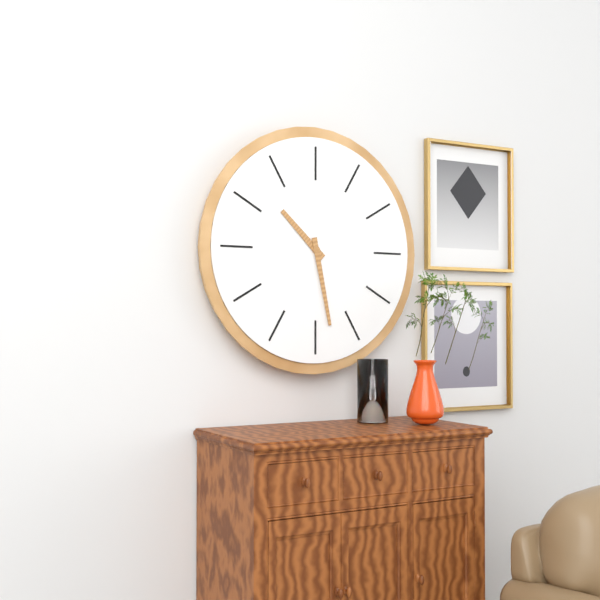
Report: 10.28
